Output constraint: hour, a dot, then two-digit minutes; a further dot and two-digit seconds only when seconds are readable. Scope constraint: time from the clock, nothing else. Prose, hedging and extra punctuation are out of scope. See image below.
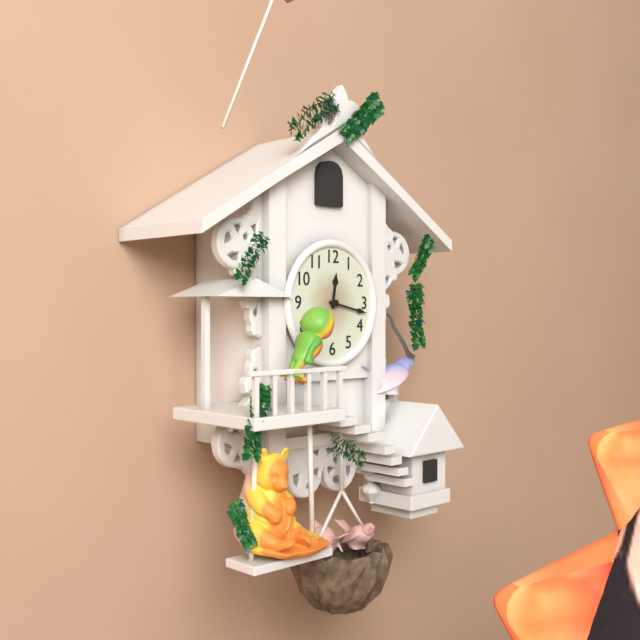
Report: 12.17
